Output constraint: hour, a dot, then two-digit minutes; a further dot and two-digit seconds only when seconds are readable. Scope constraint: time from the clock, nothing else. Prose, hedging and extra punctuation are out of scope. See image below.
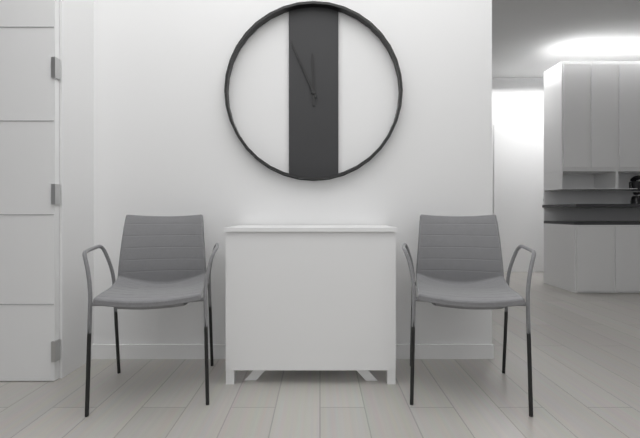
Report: 11.56
